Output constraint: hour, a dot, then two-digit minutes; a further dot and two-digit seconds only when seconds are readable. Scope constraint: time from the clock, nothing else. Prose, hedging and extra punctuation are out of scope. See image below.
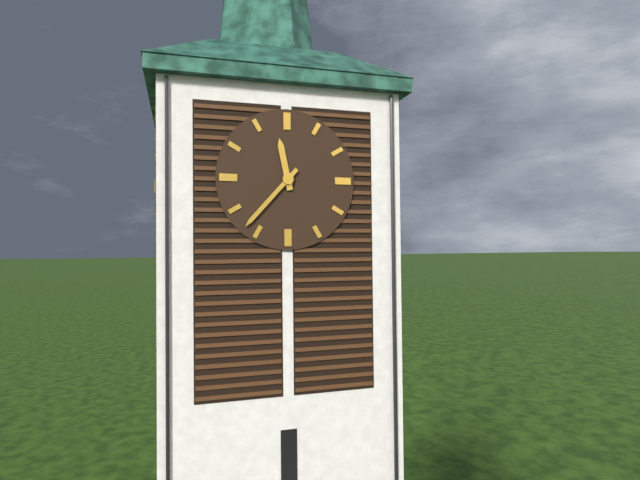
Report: 11.37
